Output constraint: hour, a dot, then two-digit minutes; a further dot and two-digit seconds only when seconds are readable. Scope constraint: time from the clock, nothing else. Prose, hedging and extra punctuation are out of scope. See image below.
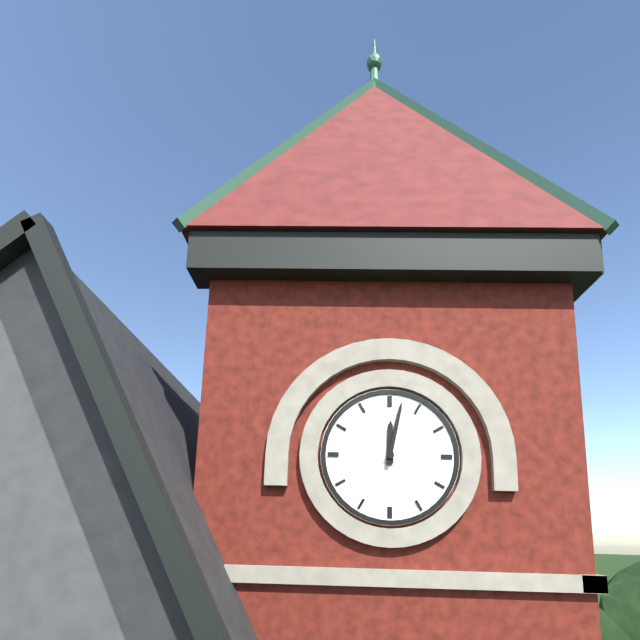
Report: 12.02
